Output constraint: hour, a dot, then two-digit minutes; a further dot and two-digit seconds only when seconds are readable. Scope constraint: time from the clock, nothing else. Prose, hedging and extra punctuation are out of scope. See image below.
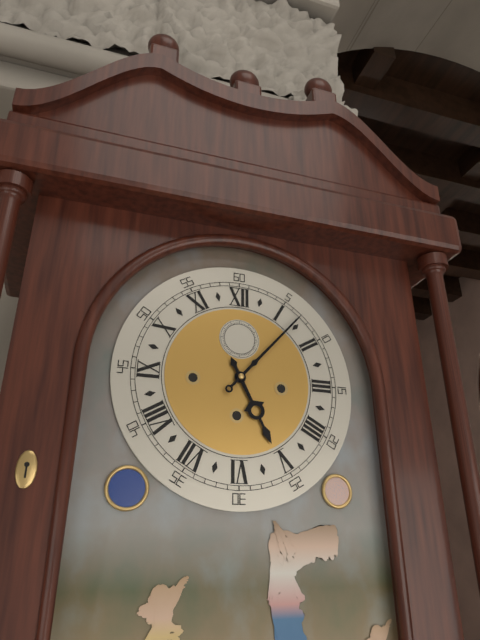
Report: 5.07
